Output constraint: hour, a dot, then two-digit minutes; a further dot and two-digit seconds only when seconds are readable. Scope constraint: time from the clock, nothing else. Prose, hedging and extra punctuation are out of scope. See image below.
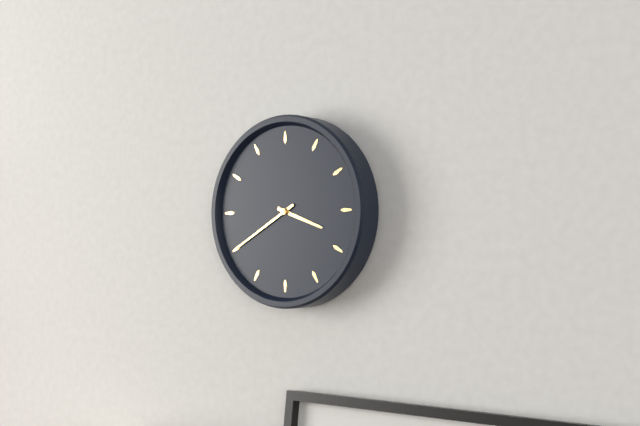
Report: 3.40
